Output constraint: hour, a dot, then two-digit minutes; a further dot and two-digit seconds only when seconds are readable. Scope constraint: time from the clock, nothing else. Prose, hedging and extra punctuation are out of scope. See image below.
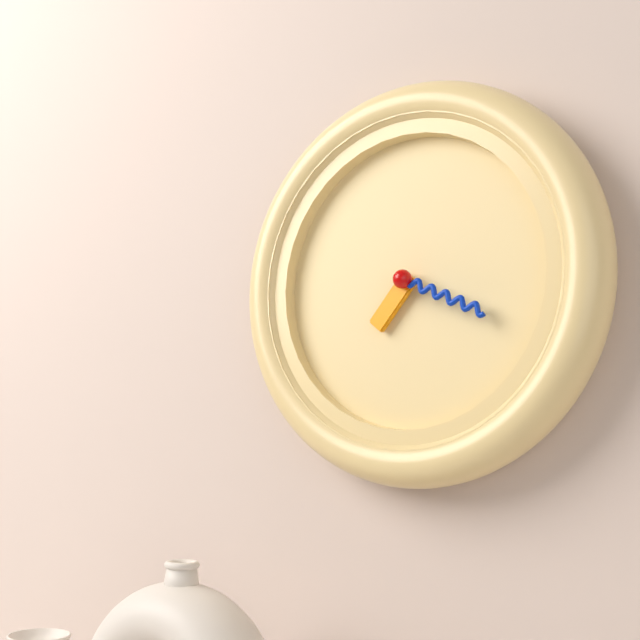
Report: 7.19
